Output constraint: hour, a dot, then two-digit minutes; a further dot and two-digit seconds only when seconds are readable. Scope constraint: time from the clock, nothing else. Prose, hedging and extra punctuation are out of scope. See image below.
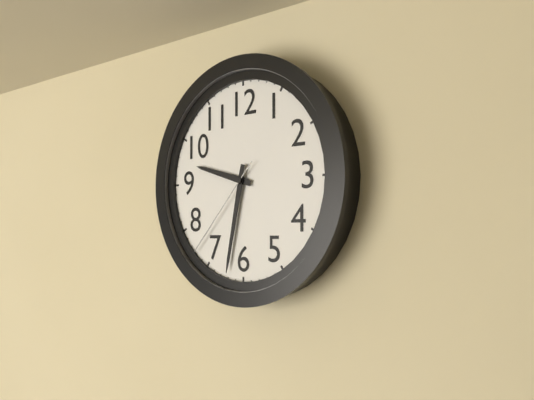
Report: 9.32.37
